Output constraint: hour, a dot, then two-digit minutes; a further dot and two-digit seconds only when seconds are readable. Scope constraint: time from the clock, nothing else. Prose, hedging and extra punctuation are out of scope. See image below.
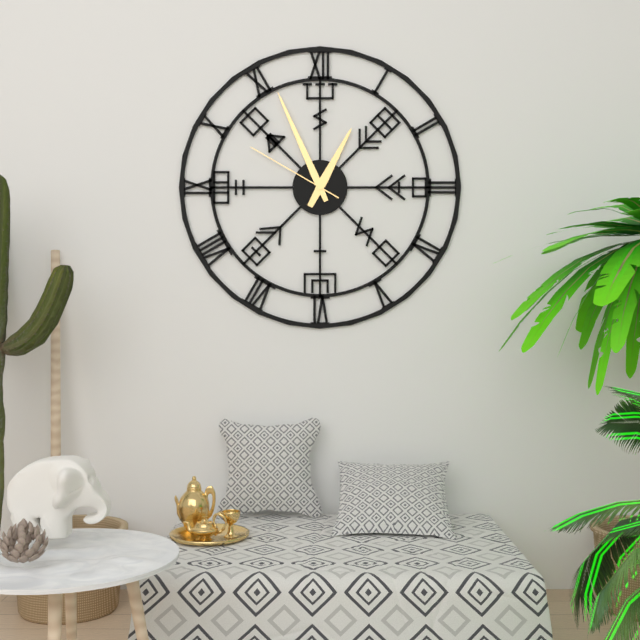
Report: 12.56.50
